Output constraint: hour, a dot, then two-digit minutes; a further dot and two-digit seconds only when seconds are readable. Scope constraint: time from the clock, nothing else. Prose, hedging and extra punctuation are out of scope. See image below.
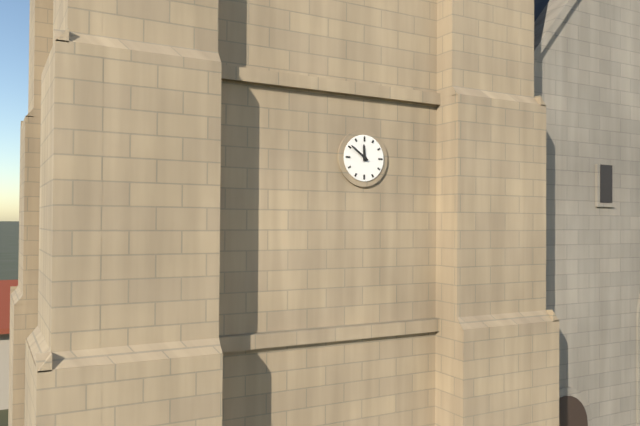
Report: 11.51
